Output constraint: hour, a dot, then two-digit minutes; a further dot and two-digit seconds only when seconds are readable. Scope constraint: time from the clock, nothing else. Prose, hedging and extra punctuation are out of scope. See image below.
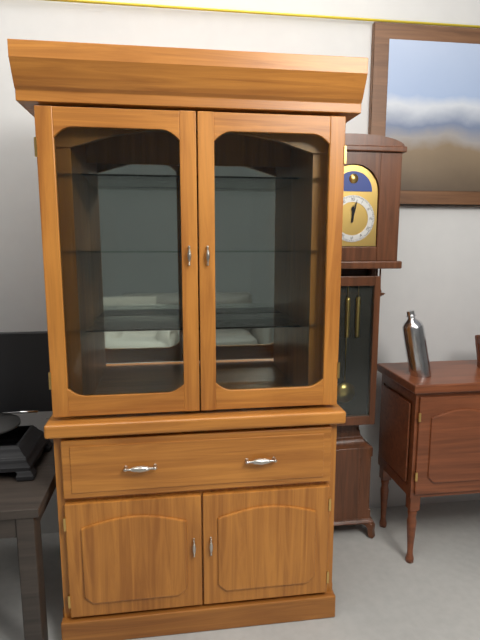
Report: 12.02
